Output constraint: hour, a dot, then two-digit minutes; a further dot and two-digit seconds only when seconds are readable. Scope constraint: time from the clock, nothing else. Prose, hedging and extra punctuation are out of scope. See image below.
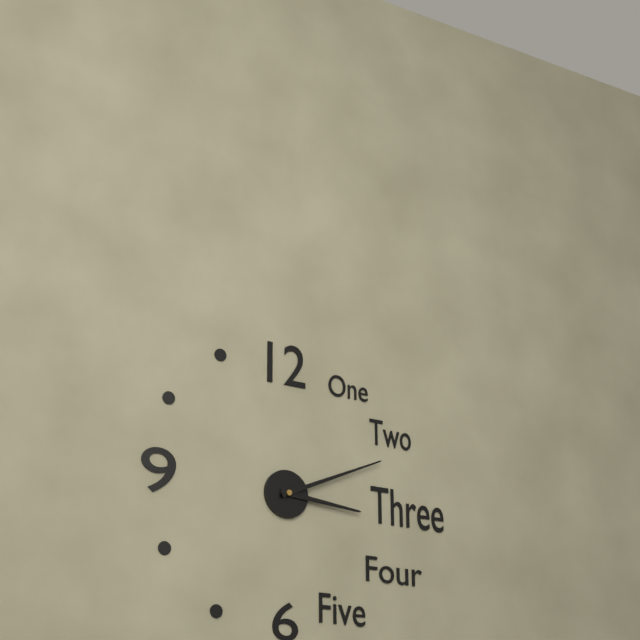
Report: 3.11
